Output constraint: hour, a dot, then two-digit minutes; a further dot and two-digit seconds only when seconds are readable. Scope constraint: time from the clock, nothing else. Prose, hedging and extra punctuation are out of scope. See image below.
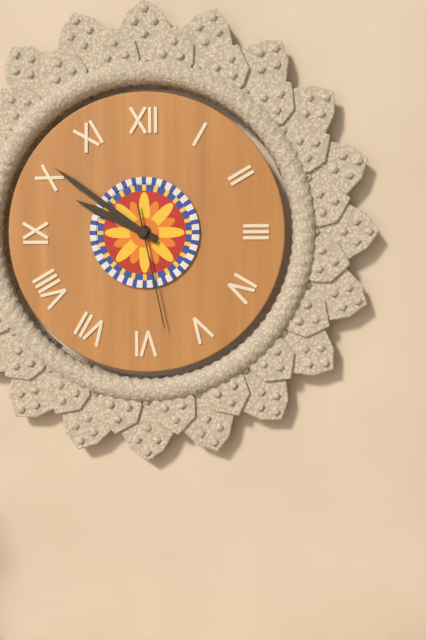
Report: 9.51.28
